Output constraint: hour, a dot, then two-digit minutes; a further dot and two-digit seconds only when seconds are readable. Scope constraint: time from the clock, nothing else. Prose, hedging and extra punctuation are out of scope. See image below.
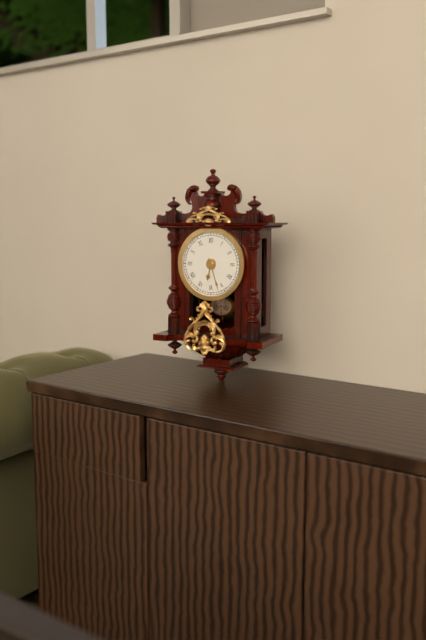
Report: 6.27
